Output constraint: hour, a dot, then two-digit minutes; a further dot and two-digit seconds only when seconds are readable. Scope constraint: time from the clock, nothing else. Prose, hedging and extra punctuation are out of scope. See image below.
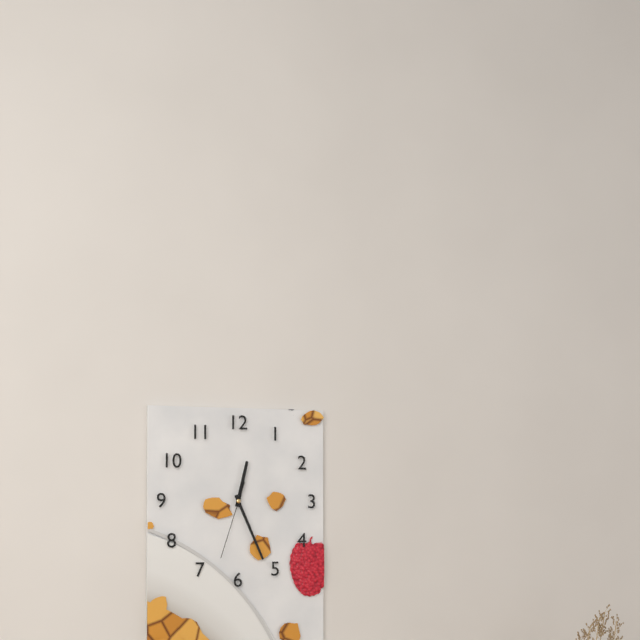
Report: 12.26.33
